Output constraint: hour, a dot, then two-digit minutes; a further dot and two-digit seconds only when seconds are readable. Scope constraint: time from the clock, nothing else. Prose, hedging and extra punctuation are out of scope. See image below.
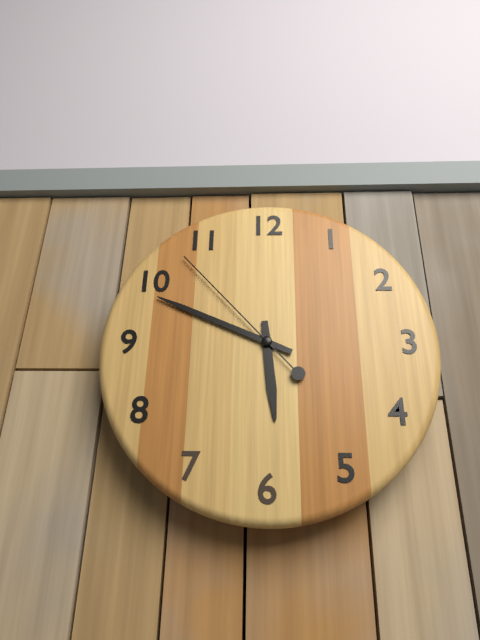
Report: 5.49.53
